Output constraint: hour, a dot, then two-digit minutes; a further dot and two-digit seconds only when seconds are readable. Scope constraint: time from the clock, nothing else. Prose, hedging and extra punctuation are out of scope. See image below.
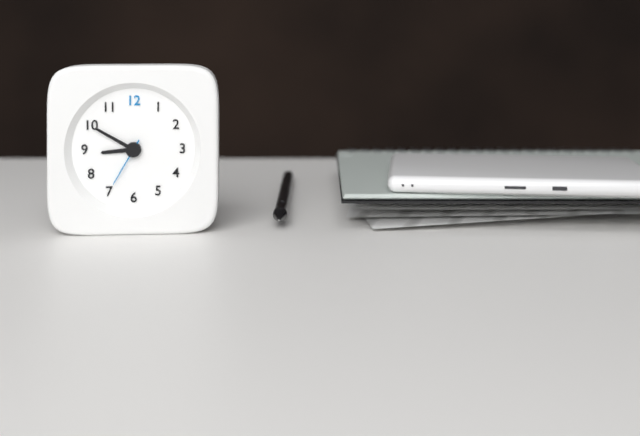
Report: 8.50.35
